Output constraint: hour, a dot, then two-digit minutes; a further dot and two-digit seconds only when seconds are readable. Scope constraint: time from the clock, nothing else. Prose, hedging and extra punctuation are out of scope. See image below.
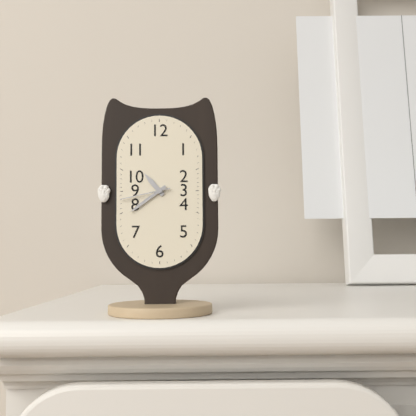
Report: 10.39.43
